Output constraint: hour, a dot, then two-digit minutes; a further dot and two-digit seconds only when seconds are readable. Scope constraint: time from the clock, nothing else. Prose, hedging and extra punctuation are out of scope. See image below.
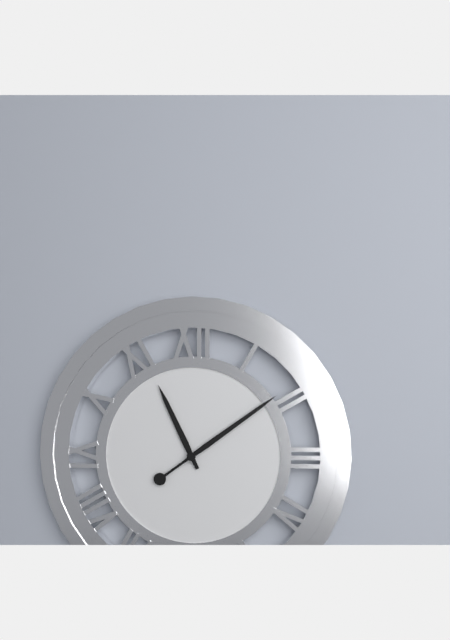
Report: 11.09
